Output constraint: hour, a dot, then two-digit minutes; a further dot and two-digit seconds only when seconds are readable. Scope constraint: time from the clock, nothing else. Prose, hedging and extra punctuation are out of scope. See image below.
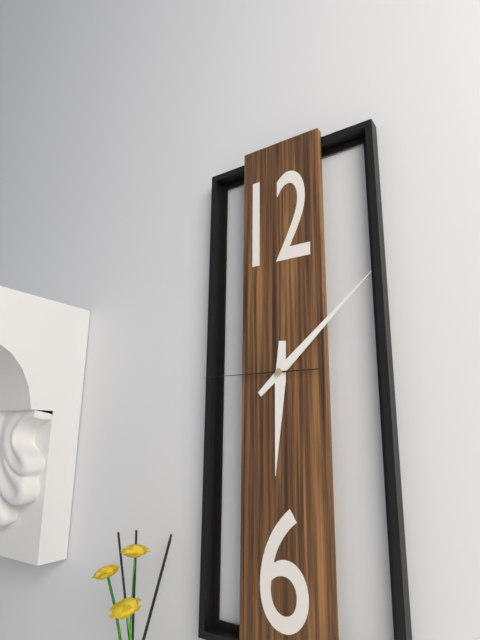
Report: 6.08.45
